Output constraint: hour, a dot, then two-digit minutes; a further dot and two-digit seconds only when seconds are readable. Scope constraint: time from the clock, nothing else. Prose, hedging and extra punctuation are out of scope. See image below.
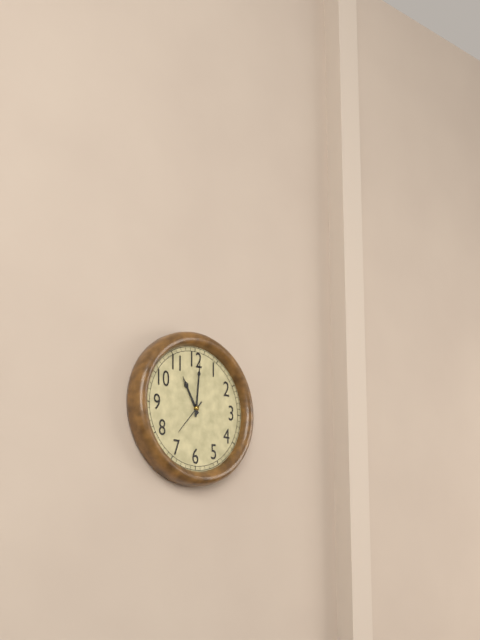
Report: 11.01
